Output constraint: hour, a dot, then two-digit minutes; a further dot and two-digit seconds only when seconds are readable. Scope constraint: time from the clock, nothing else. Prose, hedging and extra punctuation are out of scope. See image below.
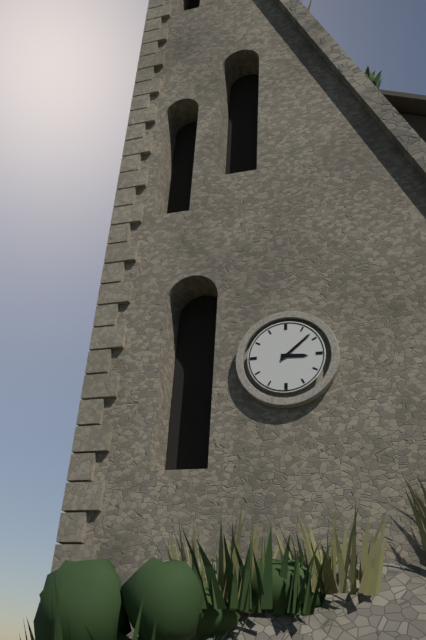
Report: 3.08
